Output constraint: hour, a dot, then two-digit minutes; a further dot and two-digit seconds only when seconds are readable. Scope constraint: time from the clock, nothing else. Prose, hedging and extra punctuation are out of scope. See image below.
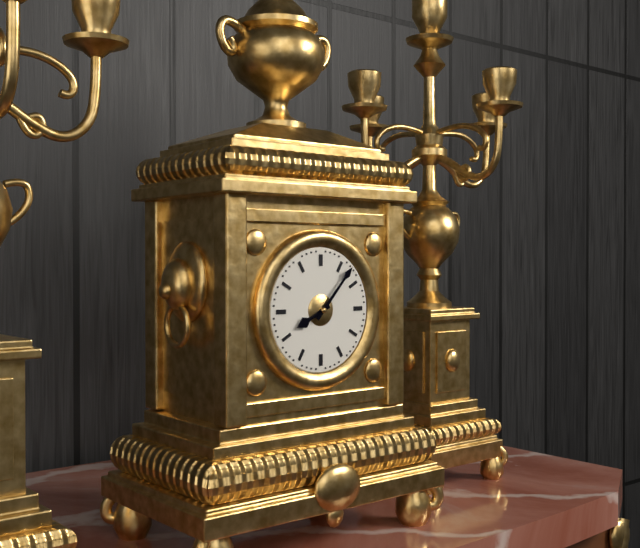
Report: 8.07
